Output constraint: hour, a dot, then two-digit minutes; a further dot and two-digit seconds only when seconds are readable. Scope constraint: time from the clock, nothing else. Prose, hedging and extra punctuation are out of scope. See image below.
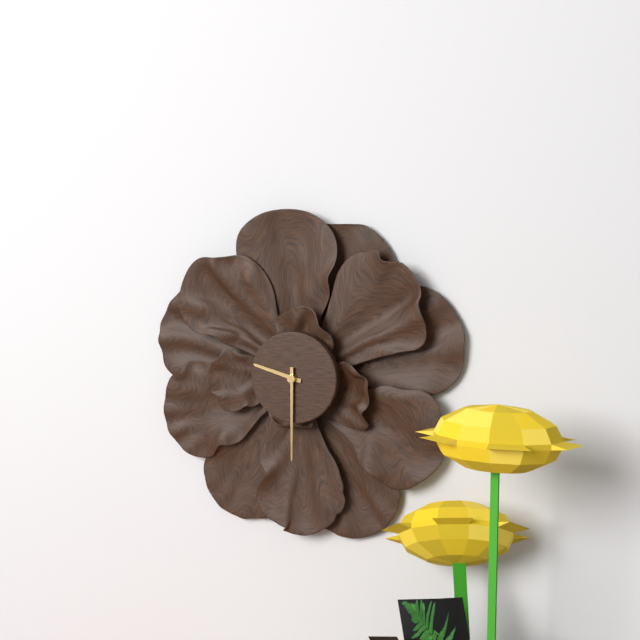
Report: 9.30
